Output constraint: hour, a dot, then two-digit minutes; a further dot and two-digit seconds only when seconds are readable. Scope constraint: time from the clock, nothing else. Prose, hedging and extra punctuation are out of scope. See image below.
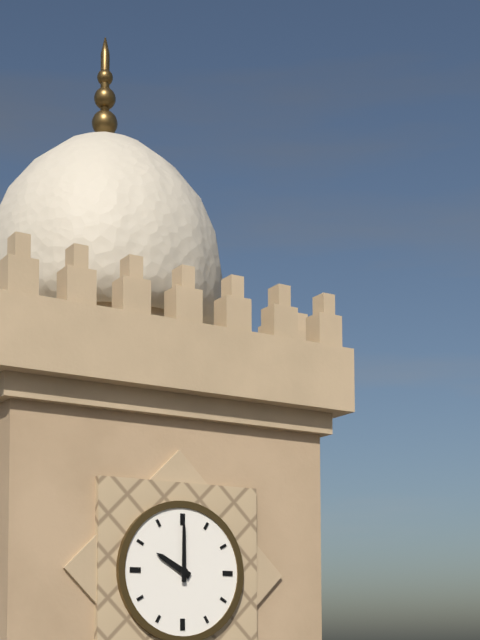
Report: 10.00
